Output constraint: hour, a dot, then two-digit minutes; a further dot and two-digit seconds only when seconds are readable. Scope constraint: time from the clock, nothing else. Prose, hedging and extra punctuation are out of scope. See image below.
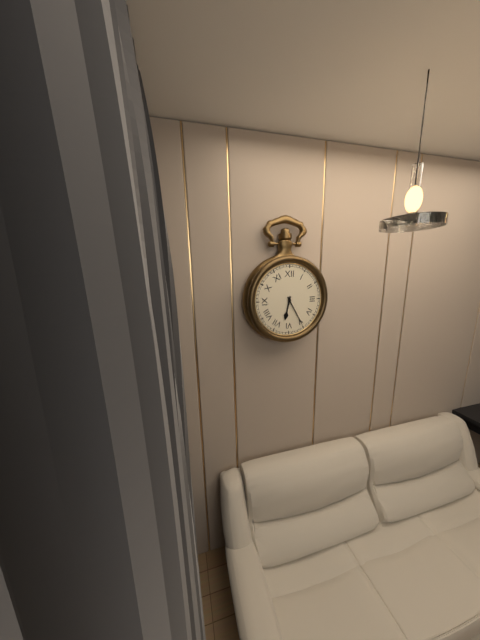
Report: 6.25
